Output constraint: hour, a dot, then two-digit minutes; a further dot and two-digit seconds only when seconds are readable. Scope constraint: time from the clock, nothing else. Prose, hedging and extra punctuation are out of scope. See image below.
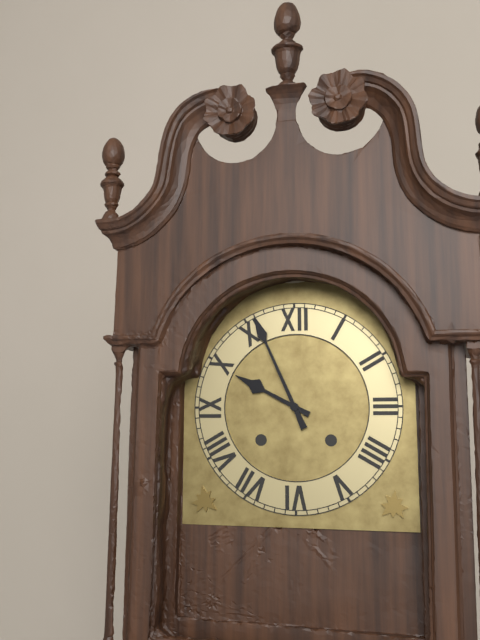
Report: 9.56
